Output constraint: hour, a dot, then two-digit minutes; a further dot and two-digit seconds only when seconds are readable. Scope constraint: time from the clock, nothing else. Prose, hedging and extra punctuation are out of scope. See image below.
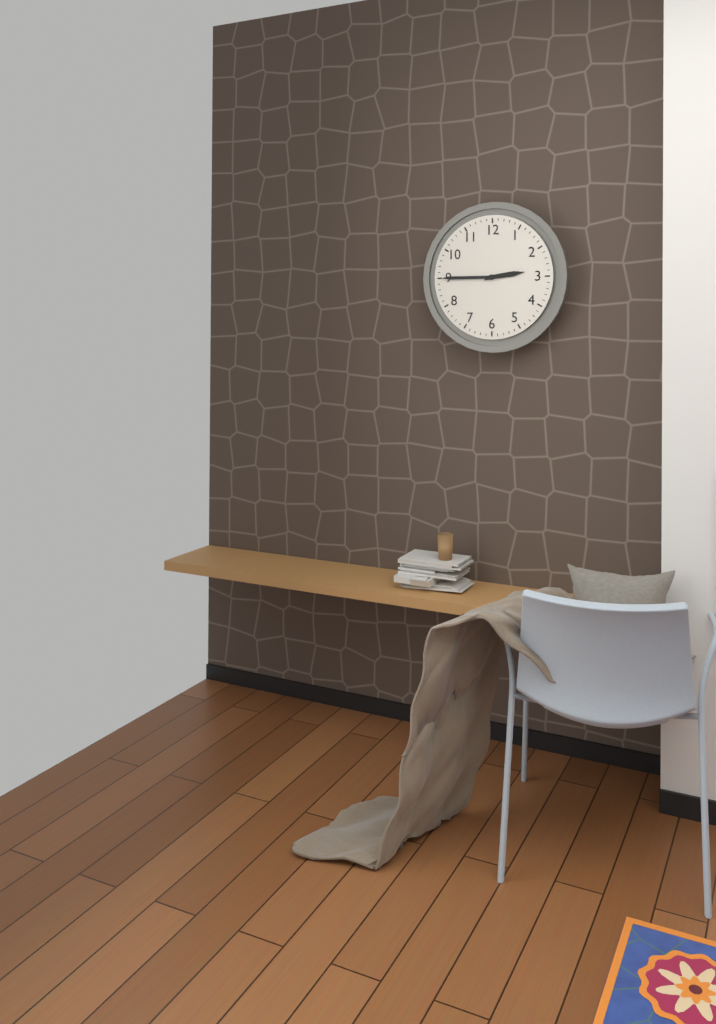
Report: 2.45
